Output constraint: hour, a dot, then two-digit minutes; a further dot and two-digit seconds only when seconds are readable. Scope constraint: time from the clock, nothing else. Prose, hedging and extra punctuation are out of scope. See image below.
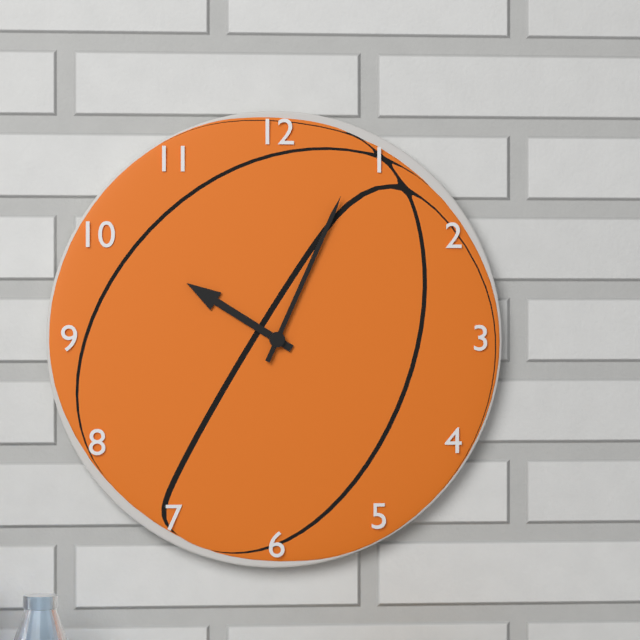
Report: 10.04
